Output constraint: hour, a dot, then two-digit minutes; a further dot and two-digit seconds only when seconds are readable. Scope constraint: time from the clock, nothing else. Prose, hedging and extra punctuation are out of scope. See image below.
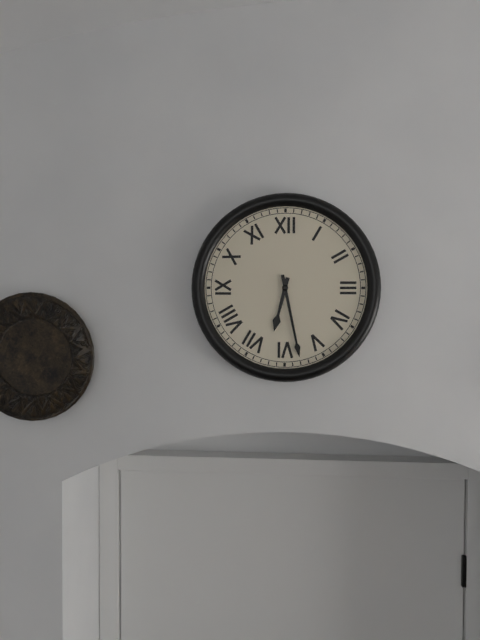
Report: 6.28
